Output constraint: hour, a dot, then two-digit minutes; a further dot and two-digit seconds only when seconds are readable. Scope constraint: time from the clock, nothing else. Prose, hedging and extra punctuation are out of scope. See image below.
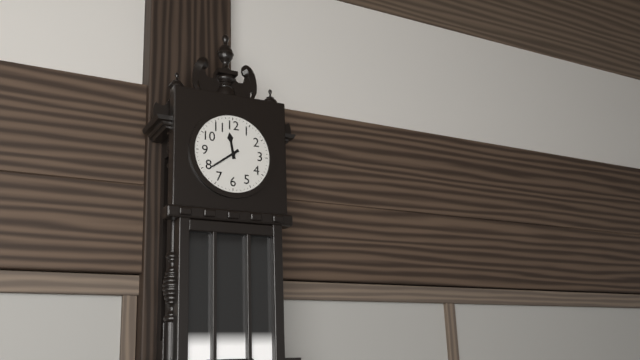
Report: 11.39
